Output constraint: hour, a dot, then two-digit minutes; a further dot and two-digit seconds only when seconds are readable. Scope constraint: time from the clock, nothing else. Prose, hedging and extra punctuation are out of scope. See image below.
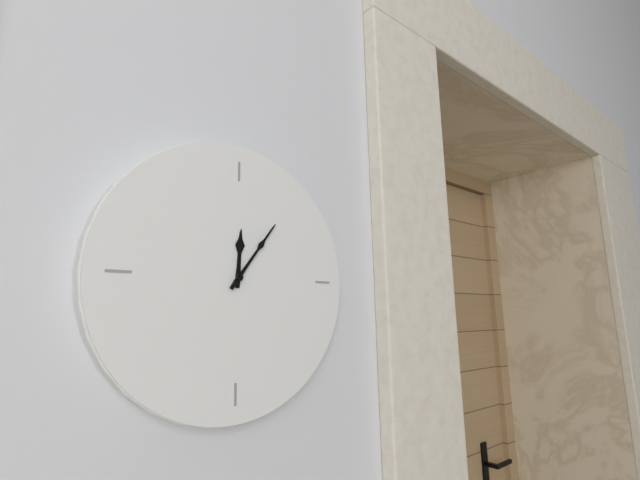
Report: 12.06
